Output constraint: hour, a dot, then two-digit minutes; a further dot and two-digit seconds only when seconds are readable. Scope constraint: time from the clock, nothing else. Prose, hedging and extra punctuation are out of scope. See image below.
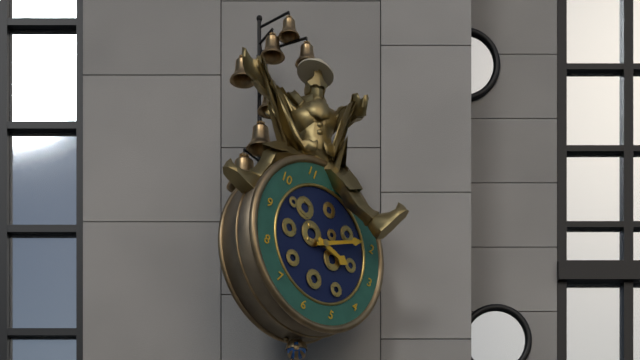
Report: 3.09
